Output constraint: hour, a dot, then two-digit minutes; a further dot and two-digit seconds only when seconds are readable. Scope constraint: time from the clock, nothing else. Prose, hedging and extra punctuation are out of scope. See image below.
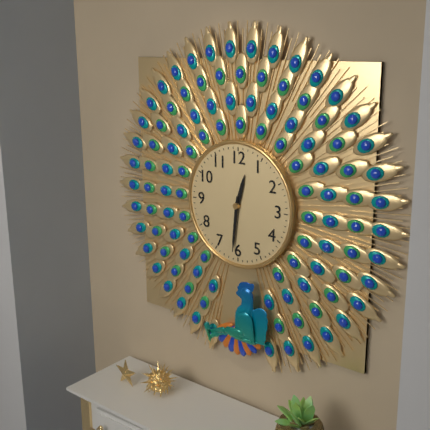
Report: 12.31
